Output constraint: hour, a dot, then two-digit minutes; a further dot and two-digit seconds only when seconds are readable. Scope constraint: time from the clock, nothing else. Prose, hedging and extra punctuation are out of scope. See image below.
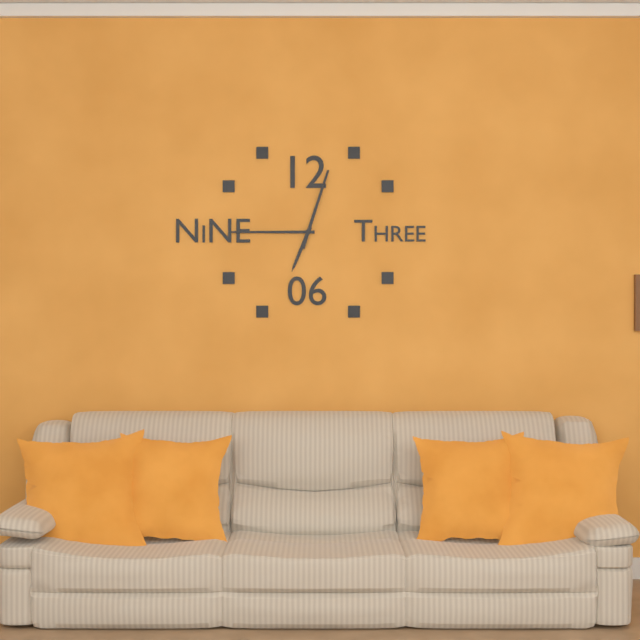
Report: 6.45.03
